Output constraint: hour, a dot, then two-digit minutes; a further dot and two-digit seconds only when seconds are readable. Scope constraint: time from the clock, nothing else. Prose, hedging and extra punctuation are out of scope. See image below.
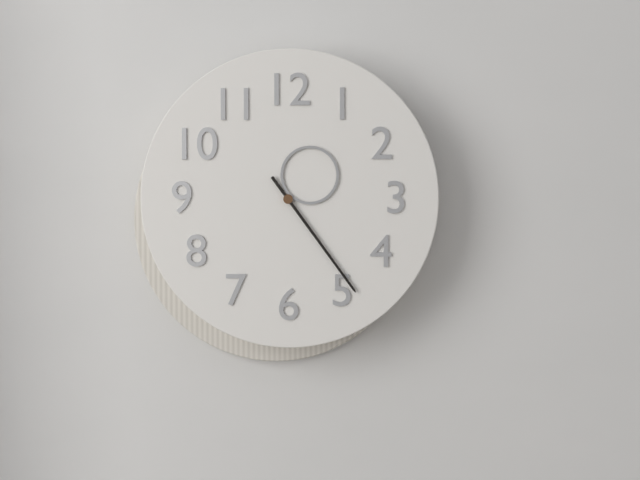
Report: 1.24
